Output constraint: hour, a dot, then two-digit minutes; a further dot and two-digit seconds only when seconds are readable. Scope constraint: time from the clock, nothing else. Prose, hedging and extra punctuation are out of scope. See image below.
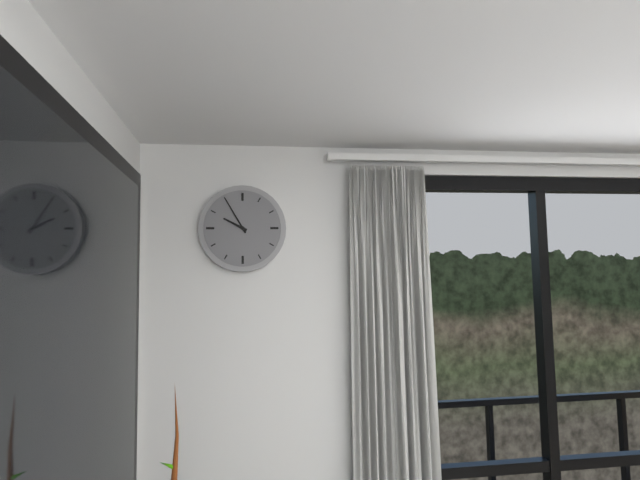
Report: 9.55
